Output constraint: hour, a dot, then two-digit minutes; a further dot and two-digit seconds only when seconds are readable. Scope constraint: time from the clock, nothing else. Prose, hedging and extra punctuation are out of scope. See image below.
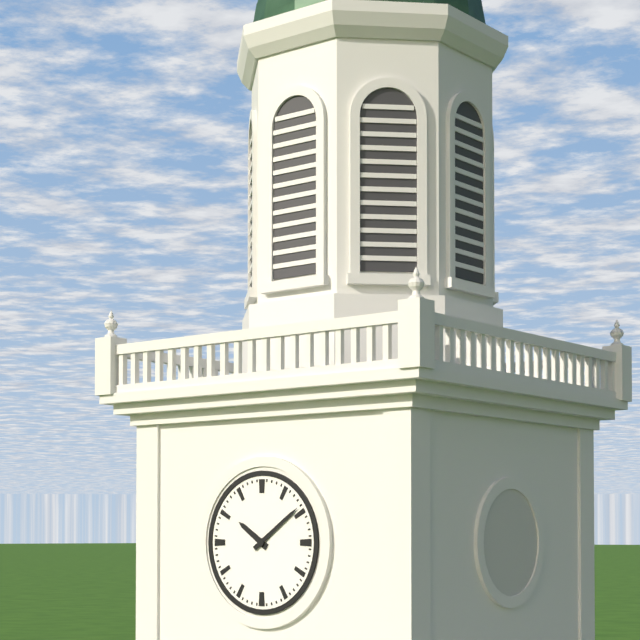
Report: 10.09
